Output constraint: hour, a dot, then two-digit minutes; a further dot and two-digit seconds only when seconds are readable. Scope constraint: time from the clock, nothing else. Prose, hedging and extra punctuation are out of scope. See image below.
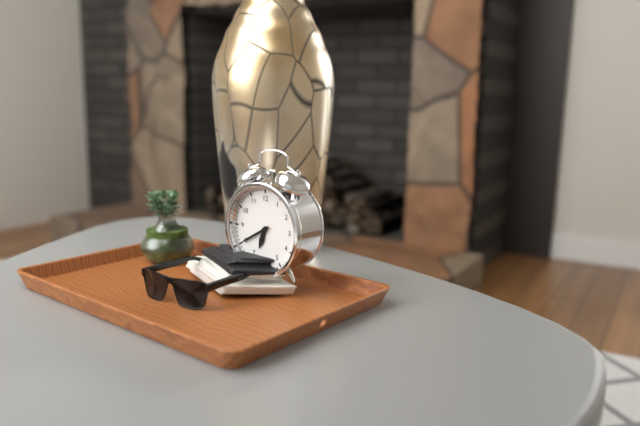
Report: 6.40
